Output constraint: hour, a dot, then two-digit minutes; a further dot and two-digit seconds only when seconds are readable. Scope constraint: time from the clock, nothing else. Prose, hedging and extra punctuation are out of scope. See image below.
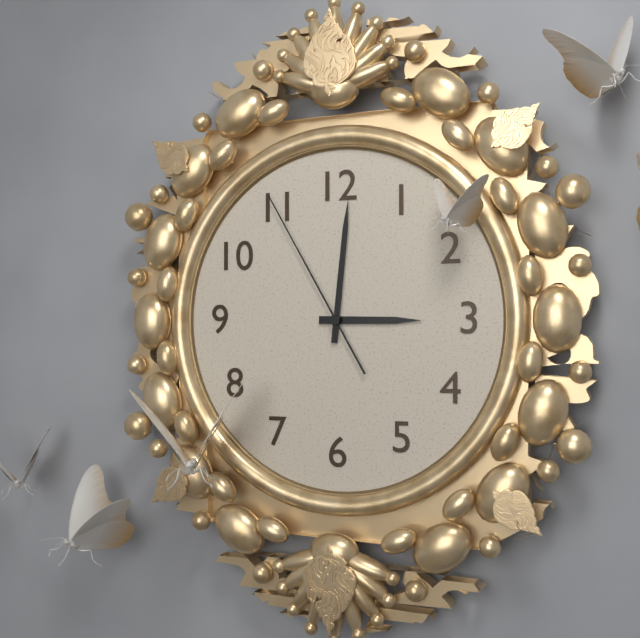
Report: 3.01.55
